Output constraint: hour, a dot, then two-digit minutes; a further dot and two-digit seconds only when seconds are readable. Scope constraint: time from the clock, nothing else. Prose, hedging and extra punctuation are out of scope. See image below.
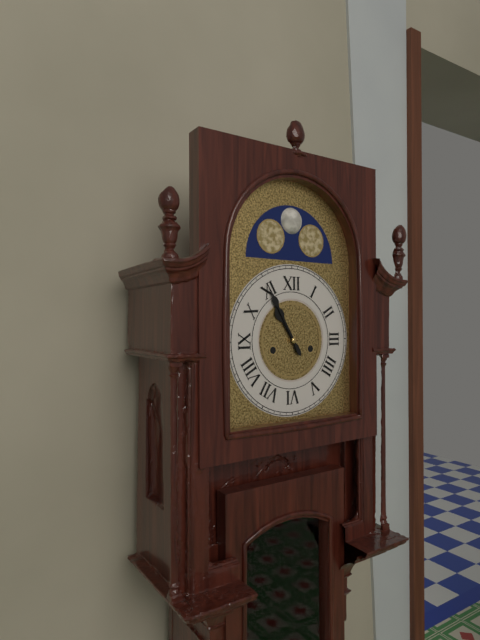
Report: 10.55
